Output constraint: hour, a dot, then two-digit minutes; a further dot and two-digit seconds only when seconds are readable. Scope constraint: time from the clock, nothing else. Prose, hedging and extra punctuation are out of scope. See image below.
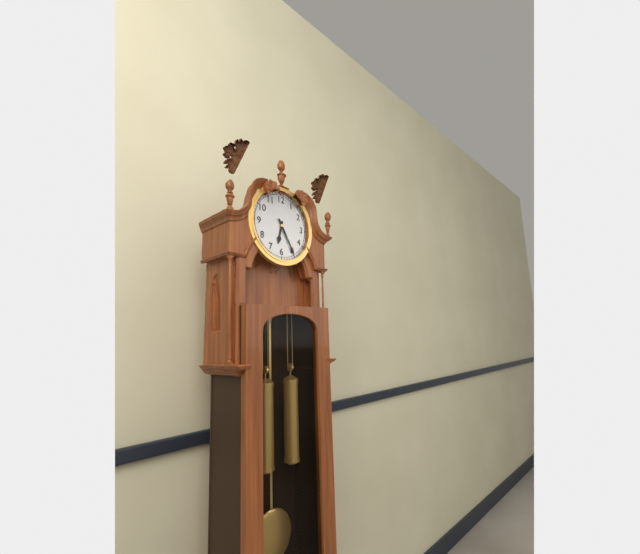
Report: 6.25
